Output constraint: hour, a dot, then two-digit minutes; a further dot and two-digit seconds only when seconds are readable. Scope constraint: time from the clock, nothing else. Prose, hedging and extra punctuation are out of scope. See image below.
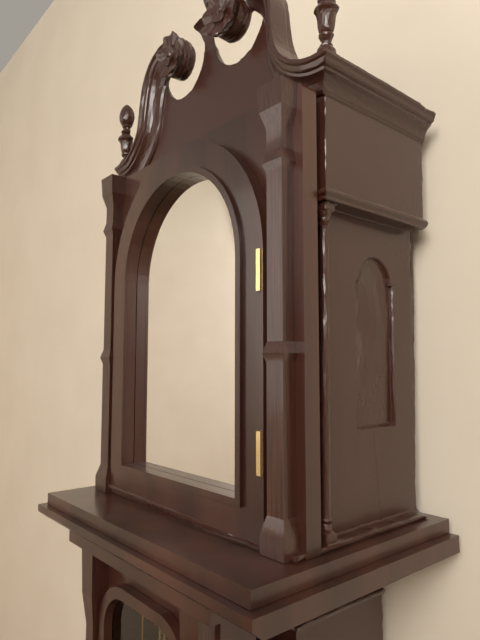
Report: 1.45
